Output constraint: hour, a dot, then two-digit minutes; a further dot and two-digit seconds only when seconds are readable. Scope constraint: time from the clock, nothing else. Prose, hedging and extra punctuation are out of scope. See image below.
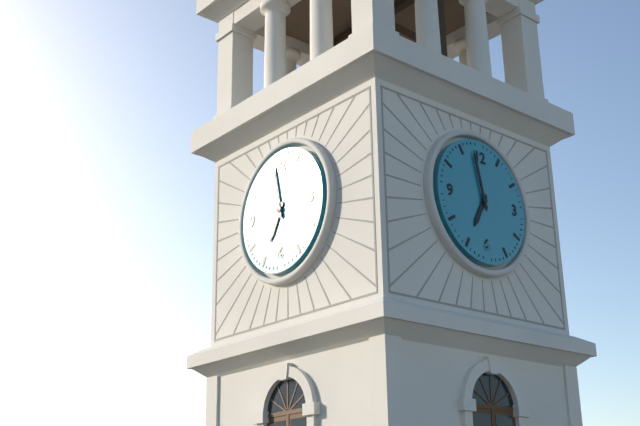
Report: 6.58
